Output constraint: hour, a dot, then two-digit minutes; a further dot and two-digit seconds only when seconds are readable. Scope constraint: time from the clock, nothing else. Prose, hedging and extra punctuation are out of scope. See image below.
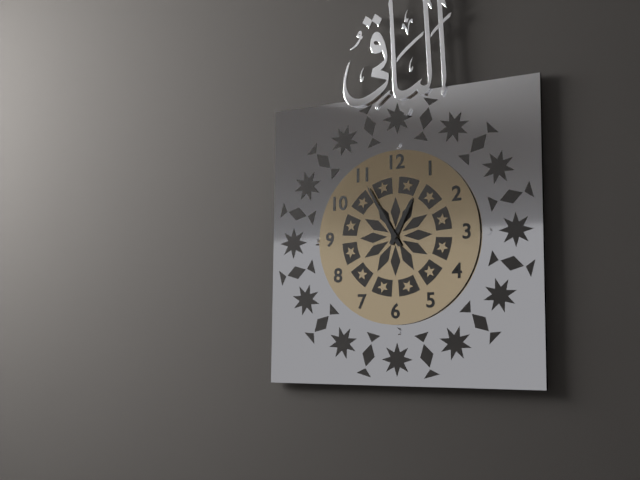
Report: 12.55
